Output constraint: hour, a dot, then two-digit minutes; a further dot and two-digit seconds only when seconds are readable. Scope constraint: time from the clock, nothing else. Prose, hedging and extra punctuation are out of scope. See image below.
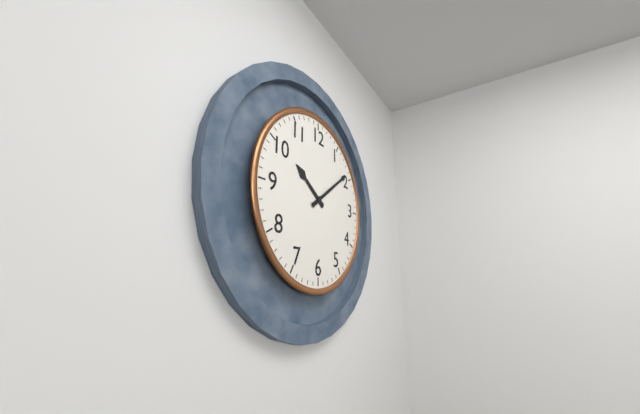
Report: 10.09
